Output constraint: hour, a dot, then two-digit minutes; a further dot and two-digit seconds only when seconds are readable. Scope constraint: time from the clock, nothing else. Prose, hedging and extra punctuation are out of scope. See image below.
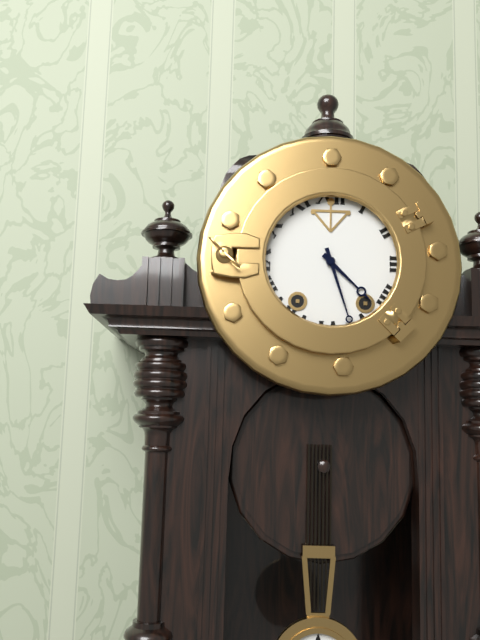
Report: 4.27
